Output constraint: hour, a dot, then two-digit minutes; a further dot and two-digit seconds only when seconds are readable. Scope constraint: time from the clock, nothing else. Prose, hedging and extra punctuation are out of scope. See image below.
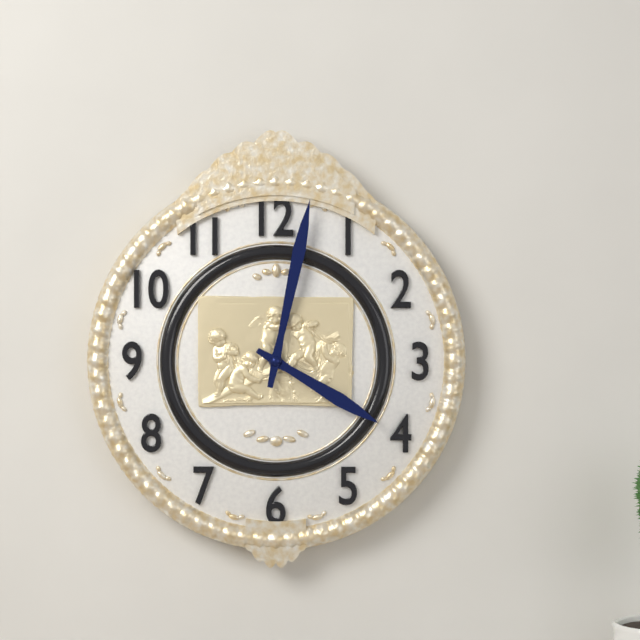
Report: 4.02
